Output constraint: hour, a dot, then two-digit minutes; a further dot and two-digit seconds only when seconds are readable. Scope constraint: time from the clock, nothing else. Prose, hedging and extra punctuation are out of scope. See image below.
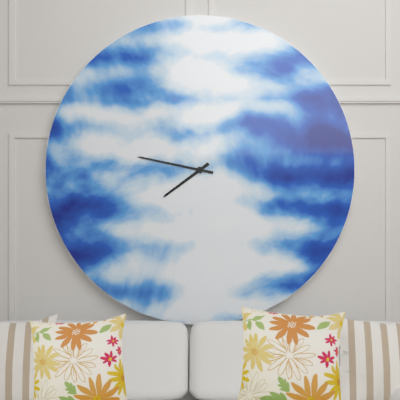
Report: 7.47
